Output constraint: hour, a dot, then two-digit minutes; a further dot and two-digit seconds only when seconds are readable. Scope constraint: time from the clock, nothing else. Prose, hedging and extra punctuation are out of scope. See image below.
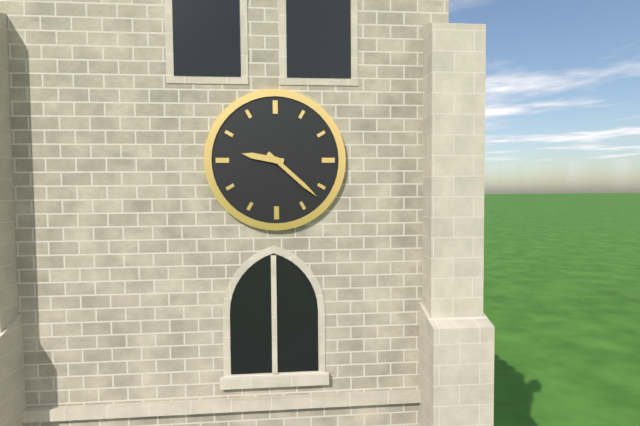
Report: 9.22
